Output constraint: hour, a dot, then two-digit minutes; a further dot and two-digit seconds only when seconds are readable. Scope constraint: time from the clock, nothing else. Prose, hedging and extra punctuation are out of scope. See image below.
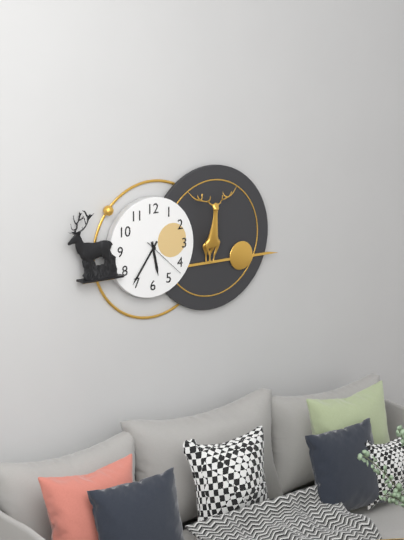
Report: 5.36
